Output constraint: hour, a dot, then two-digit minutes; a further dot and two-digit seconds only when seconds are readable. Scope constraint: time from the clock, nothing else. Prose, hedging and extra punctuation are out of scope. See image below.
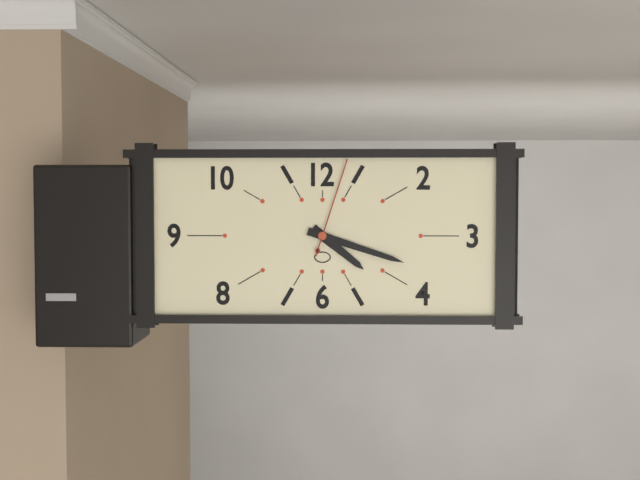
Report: 4.18.03
